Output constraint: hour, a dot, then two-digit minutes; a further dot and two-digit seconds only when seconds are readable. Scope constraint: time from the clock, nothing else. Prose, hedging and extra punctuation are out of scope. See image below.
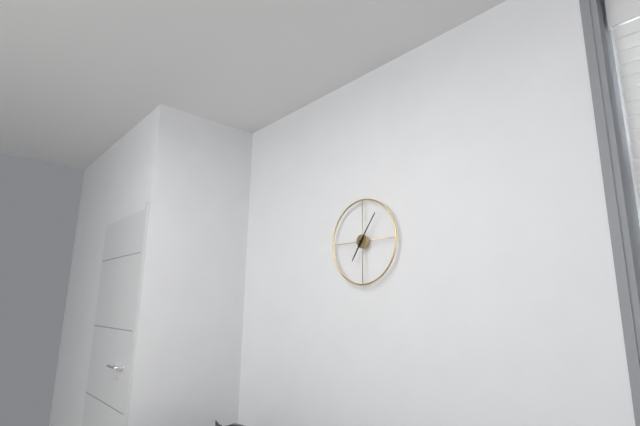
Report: 7.06
